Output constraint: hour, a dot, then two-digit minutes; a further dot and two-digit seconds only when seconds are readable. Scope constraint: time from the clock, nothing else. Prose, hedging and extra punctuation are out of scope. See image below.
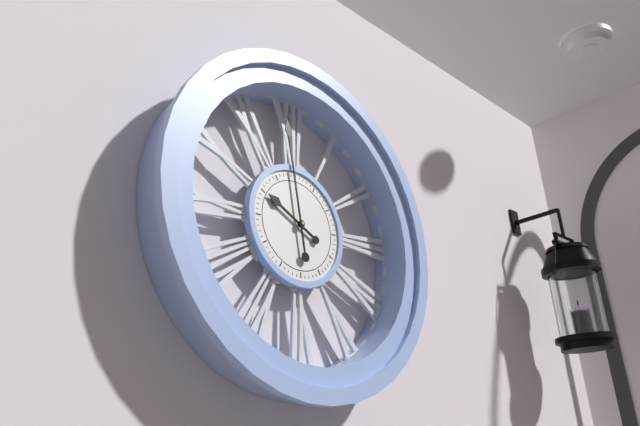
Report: 9.59
